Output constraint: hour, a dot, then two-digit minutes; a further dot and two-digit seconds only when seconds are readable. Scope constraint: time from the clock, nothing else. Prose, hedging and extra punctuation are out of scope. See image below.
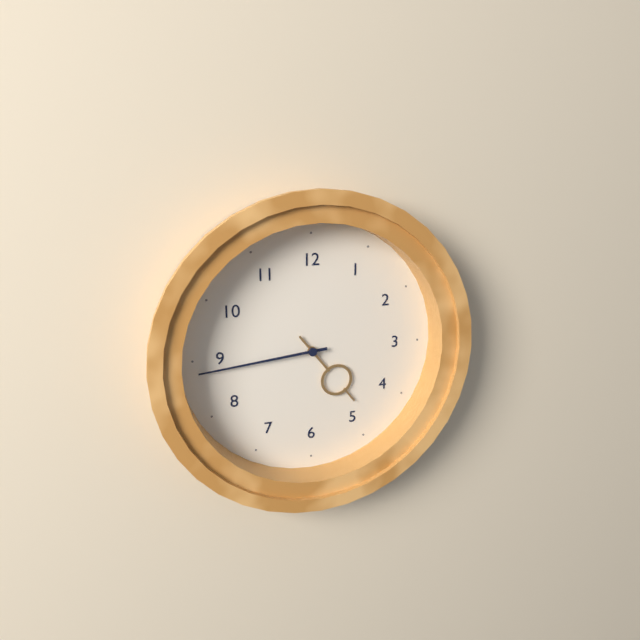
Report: 4.44
